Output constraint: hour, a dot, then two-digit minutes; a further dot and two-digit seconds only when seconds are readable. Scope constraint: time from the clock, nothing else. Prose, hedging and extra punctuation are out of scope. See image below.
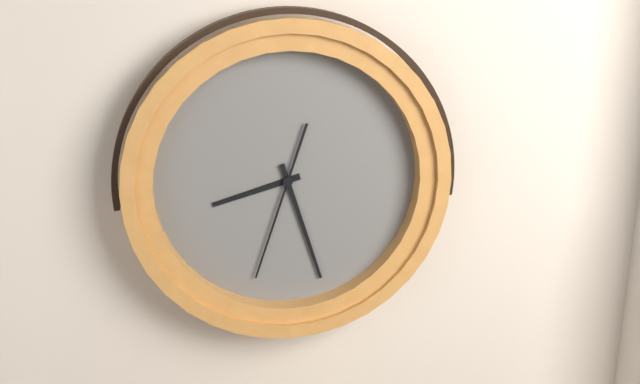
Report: 8.27.33
